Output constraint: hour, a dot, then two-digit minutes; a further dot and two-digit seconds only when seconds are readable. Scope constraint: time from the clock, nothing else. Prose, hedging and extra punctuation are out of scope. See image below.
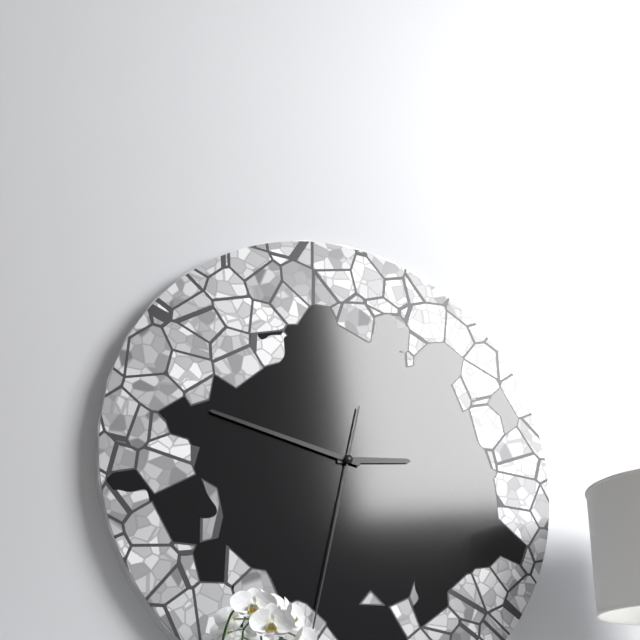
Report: 2.47
